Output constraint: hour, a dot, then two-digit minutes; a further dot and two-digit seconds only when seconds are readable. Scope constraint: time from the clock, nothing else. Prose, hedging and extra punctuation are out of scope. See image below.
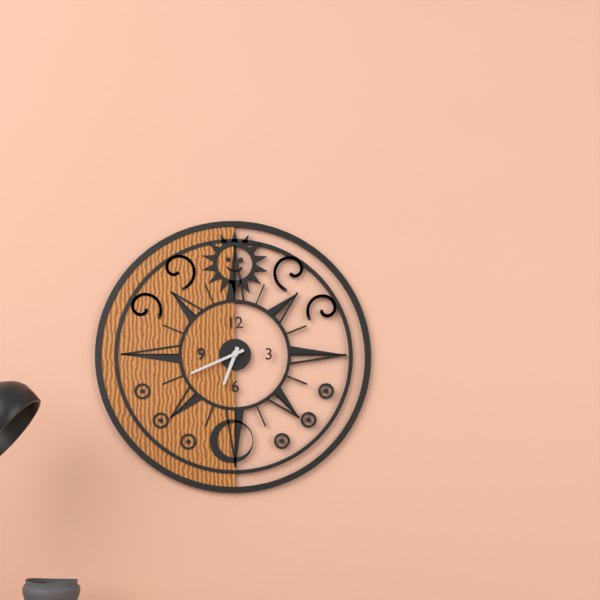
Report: 6.41
